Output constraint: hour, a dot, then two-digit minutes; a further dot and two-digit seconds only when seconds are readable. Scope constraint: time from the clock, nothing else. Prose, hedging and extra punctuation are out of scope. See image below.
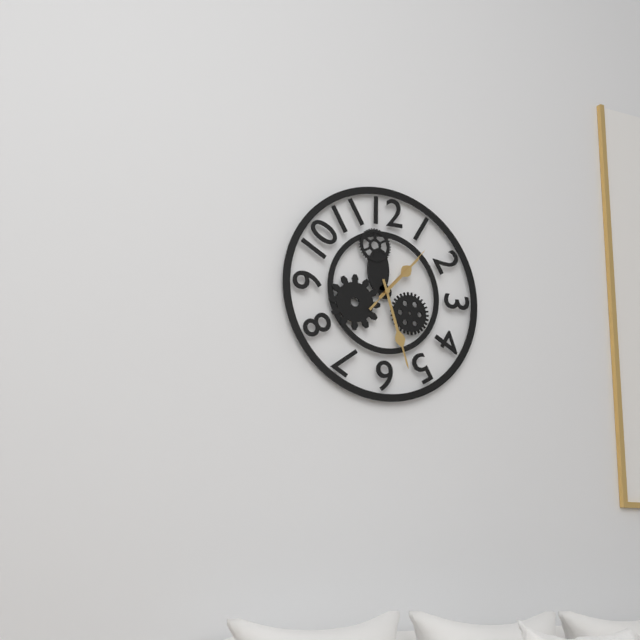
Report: 1.27.07
